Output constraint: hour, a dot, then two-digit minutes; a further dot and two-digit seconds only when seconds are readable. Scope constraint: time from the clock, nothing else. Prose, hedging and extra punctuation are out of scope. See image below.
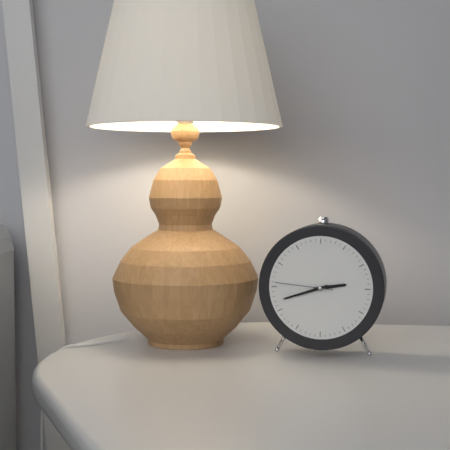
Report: 2.42.46
